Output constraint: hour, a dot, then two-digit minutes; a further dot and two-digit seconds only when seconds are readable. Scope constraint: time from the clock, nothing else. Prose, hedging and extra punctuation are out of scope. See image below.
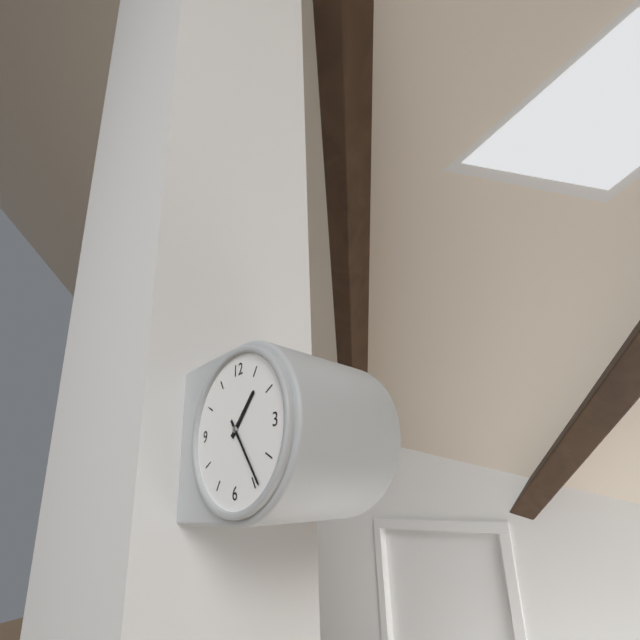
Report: 1.24
